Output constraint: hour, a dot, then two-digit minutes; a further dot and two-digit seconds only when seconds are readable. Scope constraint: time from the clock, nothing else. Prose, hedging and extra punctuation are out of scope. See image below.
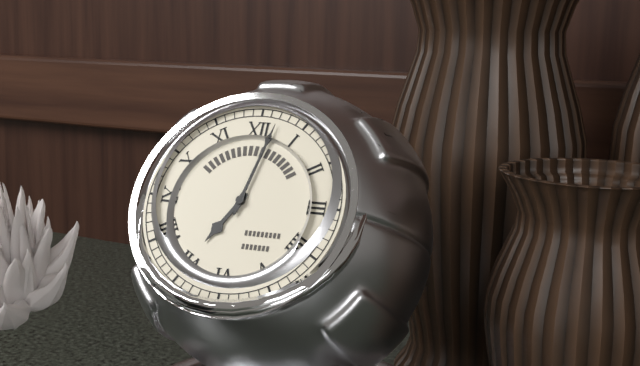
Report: 7.02
